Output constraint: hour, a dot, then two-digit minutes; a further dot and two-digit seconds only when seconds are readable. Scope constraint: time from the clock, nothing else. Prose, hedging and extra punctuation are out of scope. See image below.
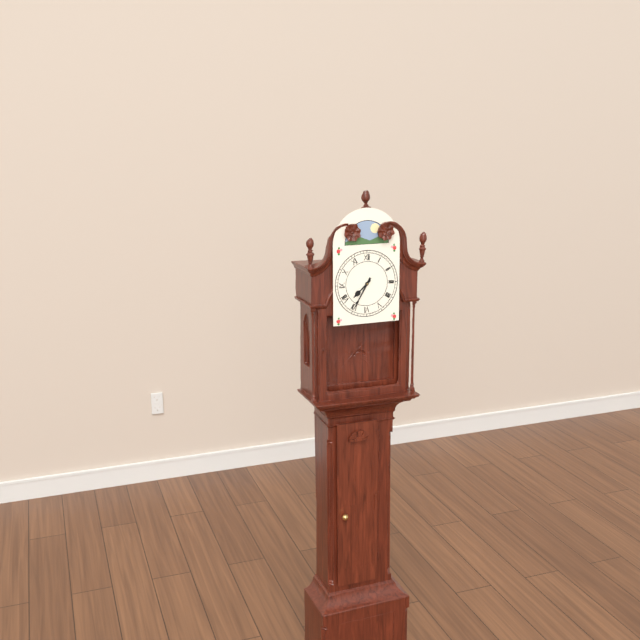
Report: 7.35
